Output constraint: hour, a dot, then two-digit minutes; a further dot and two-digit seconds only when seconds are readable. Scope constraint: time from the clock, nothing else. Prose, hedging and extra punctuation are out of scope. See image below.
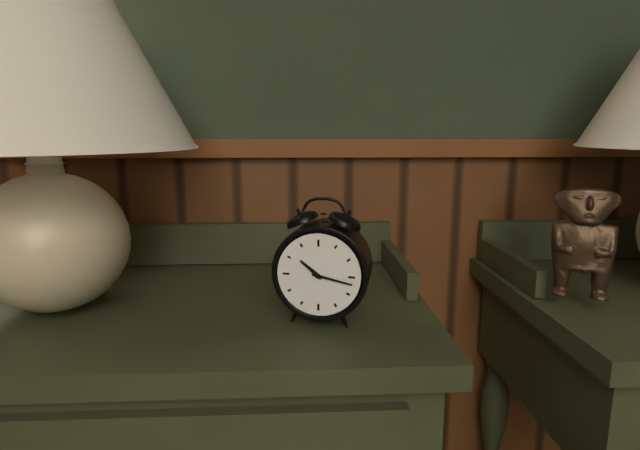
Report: 10.17
